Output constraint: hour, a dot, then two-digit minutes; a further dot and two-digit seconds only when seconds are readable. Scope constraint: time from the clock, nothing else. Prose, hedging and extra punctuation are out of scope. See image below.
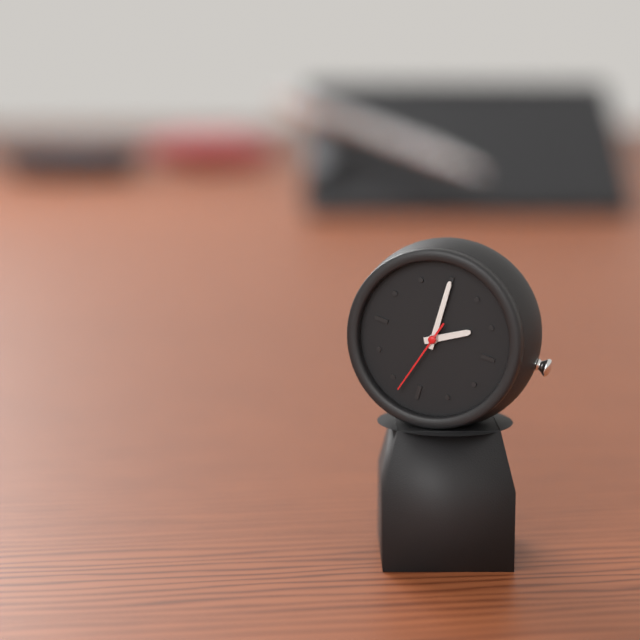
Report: 2.00.33
